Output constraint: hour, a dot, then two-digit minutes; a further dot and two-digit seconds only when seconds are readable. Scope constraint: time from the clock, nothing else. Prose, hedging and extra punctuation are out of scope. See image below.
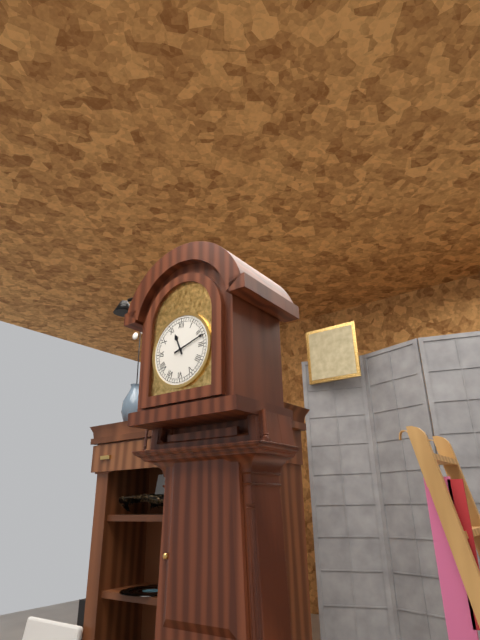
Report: 11.12
